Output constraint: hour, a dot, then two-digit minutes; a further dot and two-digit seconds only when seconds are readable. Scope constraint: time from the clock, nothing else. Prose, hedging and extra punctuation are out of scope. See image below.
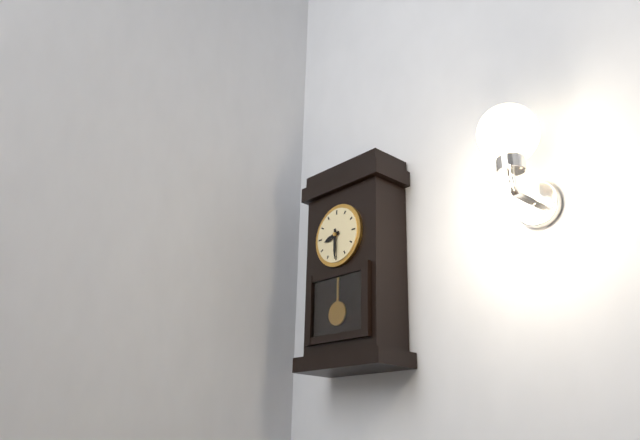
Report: 8.30
